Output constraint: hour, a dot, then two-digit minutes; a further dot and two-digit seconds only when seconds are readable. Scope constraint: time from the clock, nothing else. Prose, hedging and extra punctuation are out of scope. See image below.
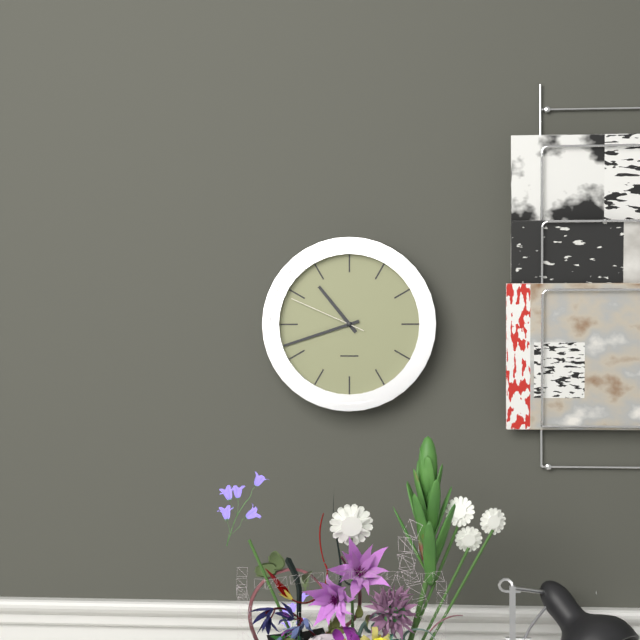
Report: 10.42.49
